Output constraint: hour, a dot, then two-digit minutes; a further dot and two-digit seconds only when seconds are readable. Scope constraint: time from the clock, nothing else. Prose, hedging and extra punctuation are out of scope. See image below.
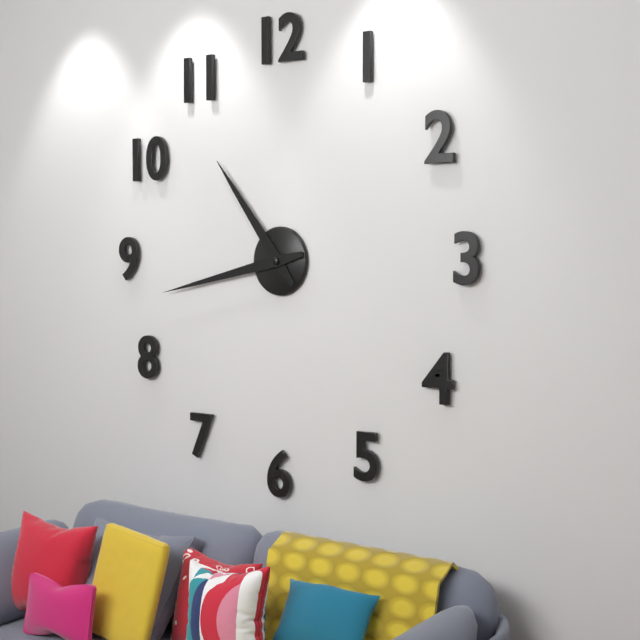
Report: 10.43
